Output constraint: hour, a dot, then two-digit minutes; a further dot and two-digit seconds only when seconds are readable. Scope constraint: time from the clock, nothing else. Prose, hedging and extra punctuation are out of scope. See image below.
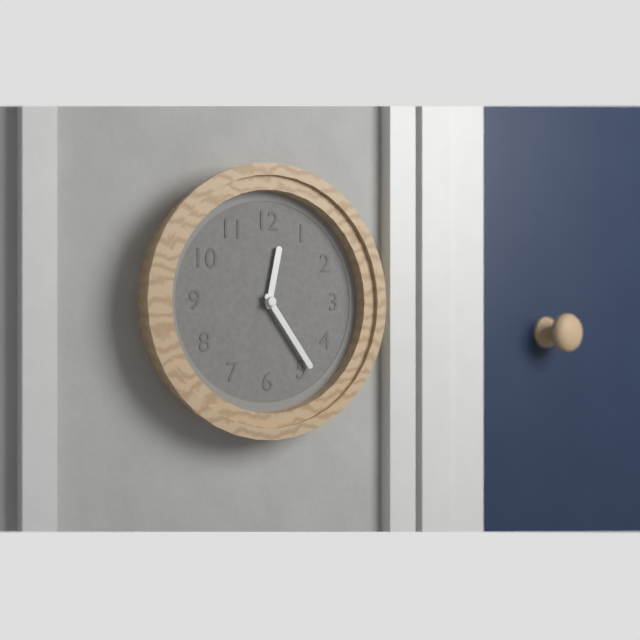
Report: 12.24
